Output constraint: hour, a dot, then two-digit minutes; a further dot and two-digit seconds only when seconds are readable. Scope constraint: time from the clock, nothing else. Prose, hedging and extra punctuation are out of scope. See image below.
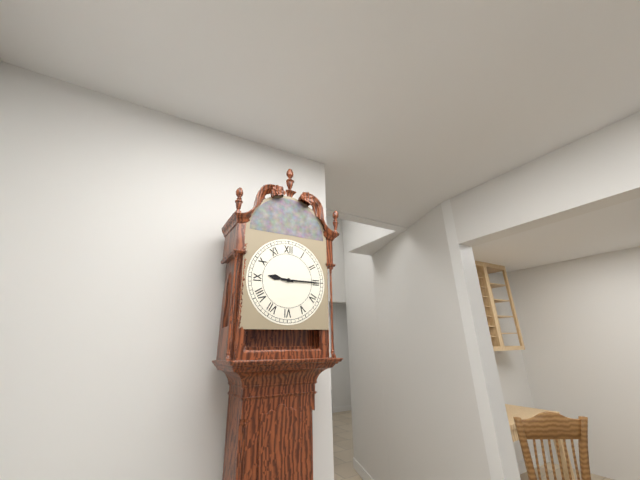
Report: 9.15
